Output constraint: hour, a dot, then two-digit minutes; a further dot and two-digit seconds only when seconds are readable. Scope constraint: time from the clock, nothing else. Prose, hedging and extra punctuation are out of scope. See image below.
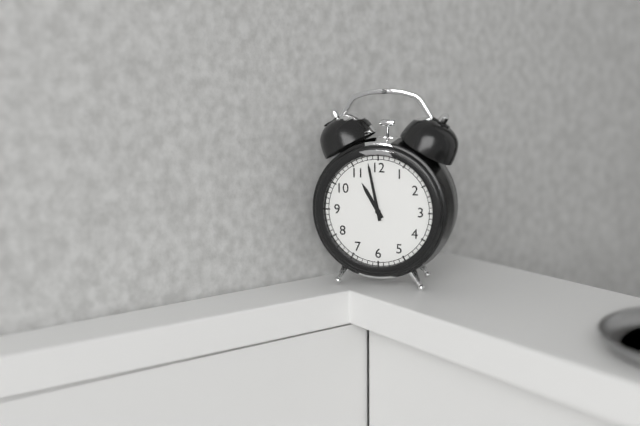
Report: 10.58
